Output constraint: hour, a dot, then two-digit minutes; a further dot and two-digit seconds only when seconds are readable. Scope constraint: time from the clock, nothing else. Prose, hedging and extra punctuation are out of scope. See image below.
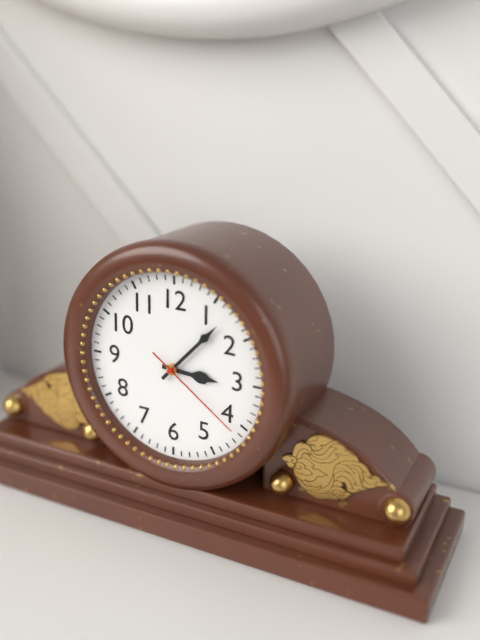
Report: 3.07.21
